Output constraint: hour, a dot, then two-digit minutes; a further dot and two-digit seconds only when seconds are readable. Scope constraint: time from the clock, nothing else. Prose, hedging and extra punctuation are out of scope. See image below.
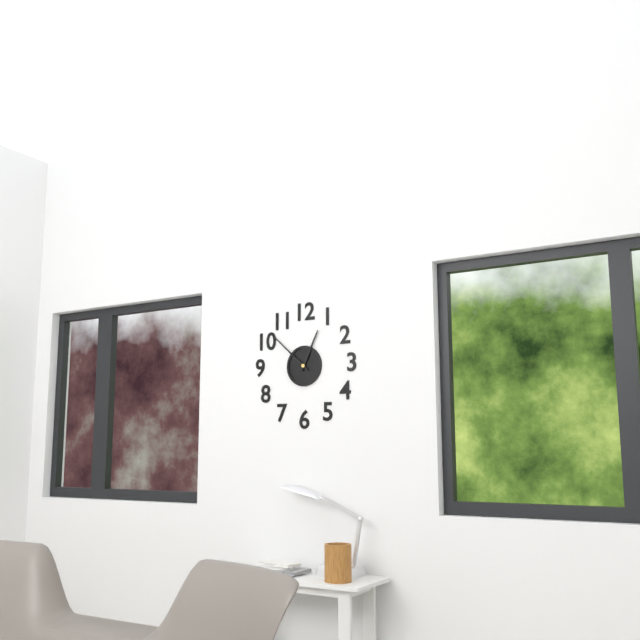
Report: 12.52
